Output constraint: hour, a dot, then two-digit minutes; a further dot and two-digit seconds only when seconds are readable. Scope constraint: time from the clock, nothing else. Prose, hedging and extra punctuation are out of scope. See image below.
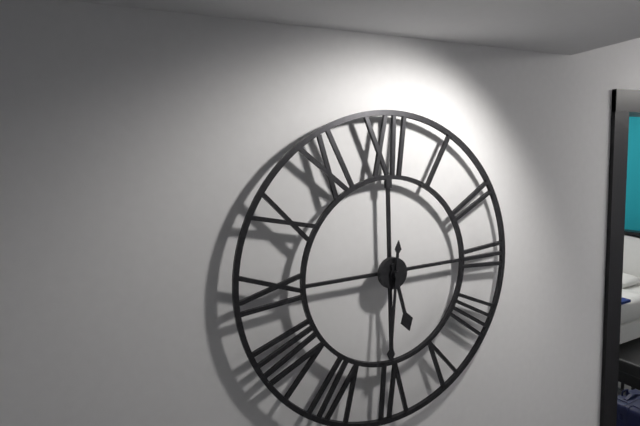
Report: 5.31
